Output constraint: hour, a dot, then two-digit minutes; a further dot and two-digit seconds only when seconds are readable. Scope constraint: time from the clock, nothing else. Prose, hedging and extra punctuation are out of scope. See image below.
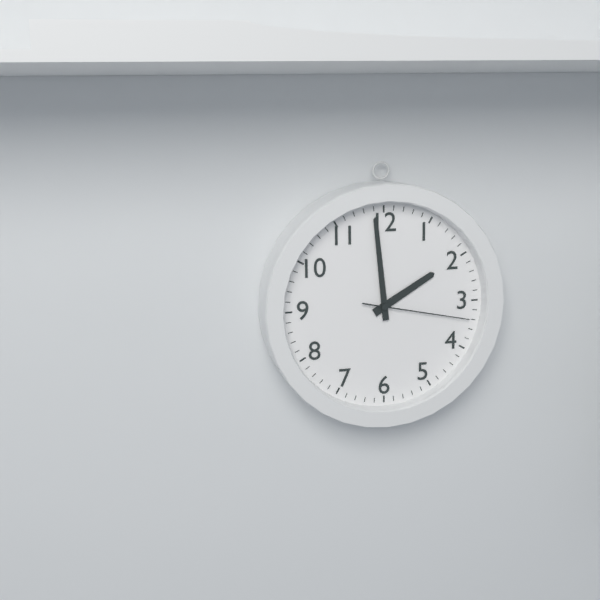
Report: 1.59.17
